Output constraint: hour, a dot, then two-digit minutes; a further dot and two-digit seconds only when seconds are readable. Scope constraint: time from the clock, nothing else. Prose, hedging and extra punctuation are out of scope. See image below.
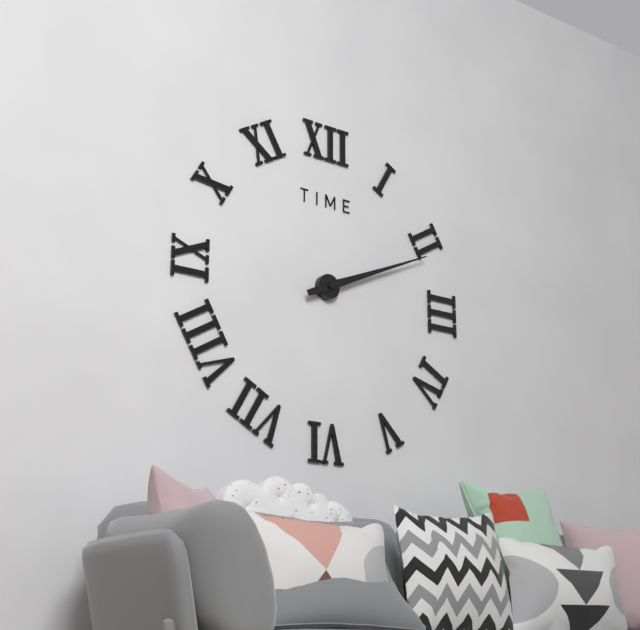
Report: 2.11
